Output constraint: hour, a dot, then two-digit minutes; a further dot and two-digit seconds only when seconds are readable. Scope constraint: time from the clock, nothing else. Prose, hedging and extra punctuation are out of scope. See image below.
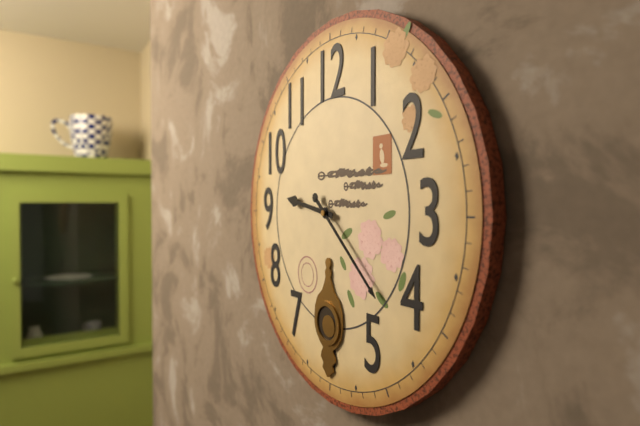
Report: 9.22
